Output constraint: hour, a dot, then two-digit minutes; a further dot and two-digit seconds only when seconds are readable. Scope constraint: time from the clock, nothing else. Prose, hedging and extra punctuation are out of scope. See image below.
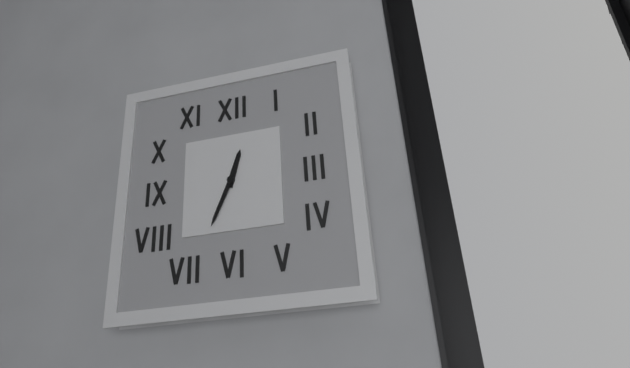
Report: 12.34
